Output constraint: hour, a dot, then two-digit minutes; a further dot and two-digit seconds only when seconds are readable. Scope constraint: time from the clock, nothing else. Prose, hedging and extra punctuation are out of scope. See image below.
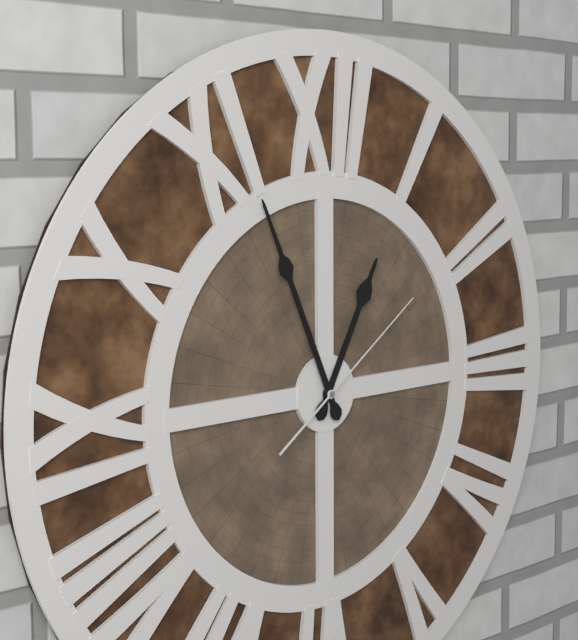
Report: 12.56.09
